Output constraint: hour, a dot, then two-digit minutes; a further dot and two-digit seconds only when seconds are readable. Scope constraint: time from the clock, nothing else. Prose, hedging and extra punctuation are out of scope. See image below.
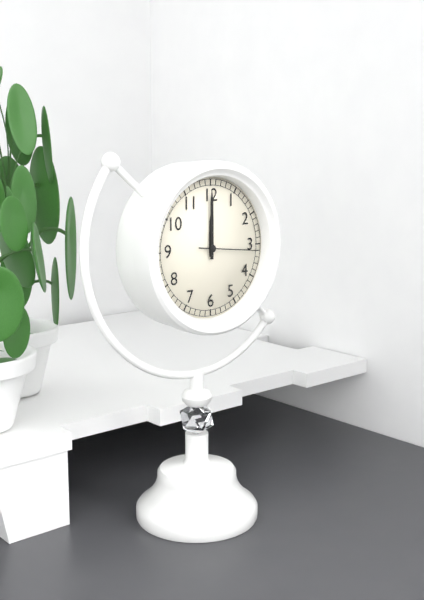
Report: 12.00.16
